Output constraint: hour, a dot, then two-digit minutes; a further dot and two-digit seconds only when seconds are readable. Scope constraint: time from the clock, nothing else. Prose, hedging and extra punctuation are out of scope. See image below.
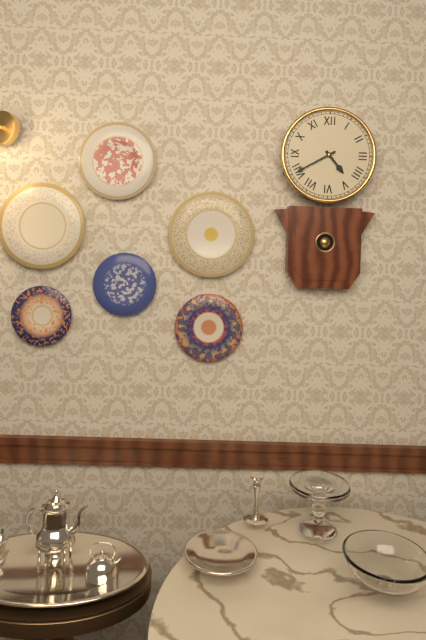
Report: 4.40
